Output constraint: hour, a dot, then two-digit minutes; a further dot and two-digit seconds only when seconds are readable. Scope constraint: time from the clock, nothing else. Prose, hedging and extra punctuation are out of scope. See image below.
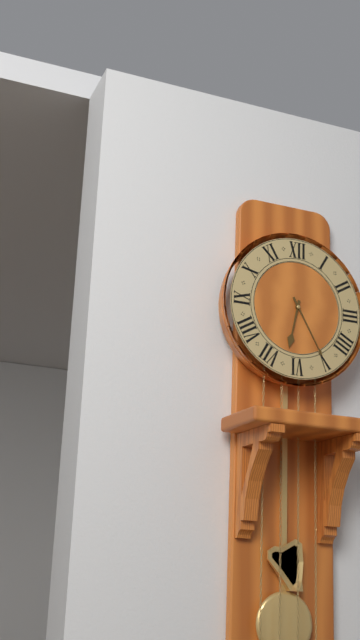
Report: 6.25
